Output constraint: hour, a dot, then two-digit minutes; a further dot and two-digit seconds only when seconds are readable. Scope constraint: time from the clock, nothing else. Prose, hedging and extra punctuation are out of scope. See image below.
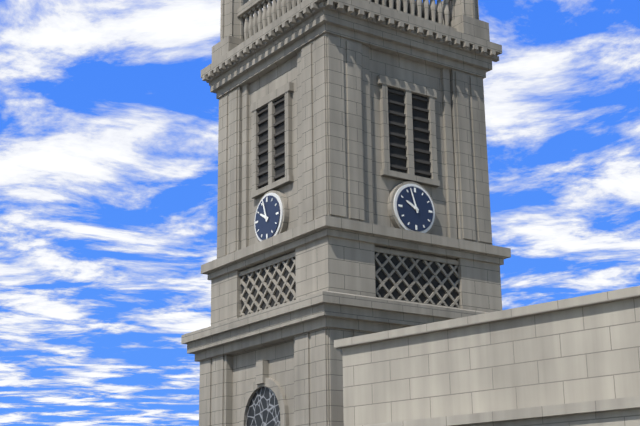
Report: 9.57
